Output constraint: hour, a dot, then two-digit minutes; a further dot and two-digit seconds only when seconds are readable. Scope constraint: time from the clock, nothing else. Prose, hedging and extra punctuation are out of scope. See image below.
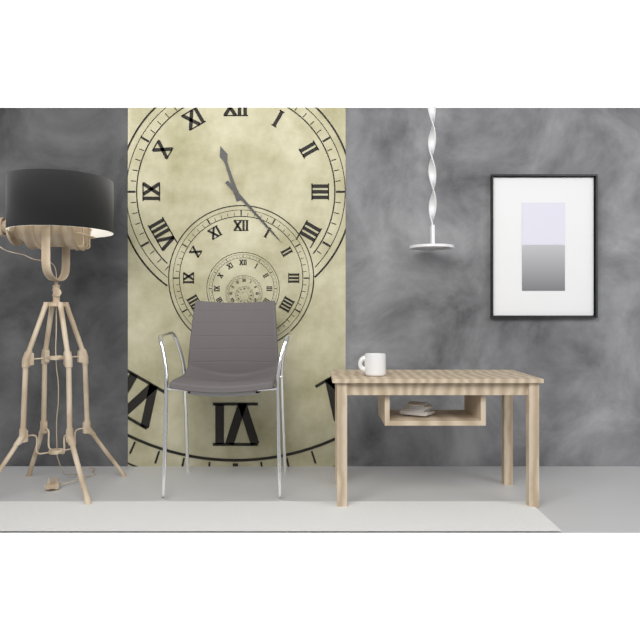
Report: 11.23
